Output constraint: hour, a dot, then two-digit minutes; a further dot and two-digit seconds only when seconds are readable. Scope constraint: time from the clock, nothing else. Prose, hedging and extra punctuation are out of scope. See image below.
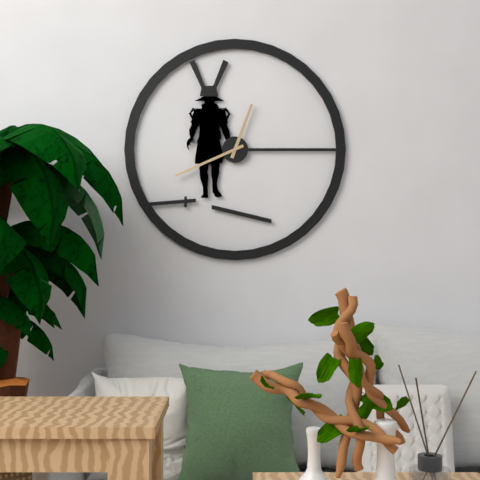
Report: 12.41
